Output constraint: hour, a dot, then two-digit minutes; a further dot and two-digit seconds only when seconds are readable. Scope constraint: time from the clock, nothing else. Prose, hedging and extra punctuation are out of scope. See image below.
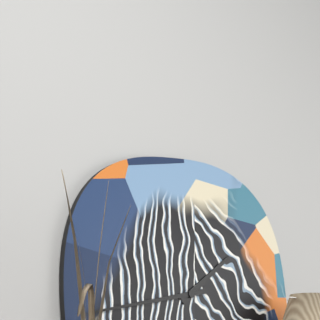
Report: 1.43
